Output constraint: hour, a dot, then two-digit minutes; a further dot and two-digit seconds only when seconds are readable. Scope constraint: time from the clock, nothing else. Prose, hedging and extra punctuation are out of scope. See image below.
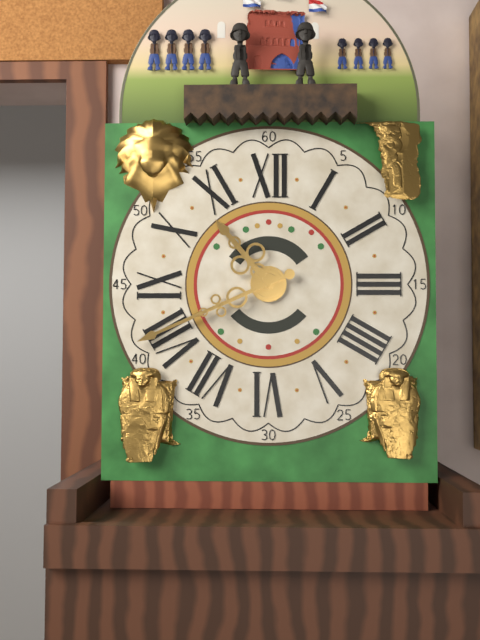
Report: 10.41
